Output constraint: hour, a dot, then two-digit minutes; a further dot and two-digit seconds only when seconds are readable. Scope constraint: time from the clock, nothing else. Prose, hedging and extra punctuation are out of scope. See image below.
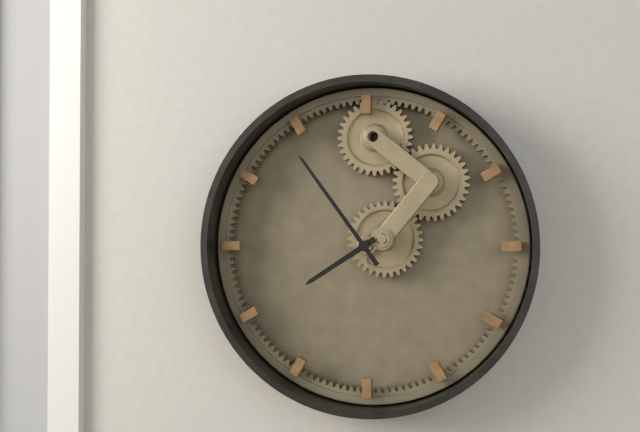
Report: 7.54
